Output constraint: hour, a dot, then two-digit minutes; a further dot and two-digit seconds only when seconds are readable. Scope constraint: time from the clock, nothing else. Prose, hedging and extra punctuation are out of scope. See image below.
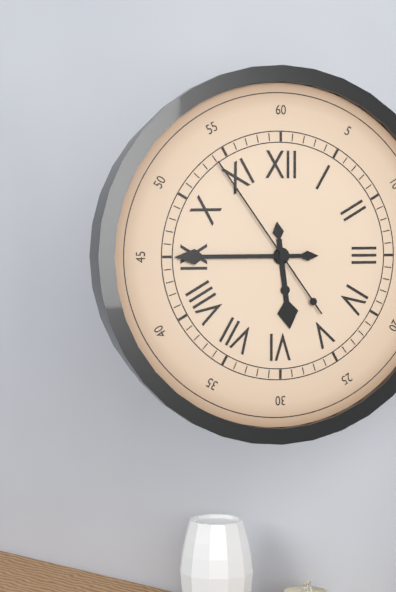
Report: 5.45.54
